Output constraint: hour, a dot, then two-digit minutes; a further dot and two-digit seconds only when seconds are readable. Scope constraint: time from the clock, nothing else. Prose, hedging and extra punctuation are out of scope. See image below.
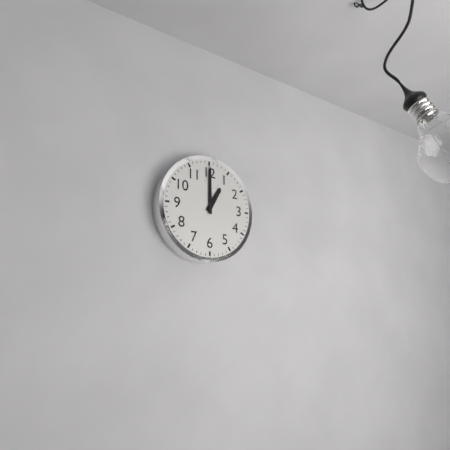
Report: 1.00
